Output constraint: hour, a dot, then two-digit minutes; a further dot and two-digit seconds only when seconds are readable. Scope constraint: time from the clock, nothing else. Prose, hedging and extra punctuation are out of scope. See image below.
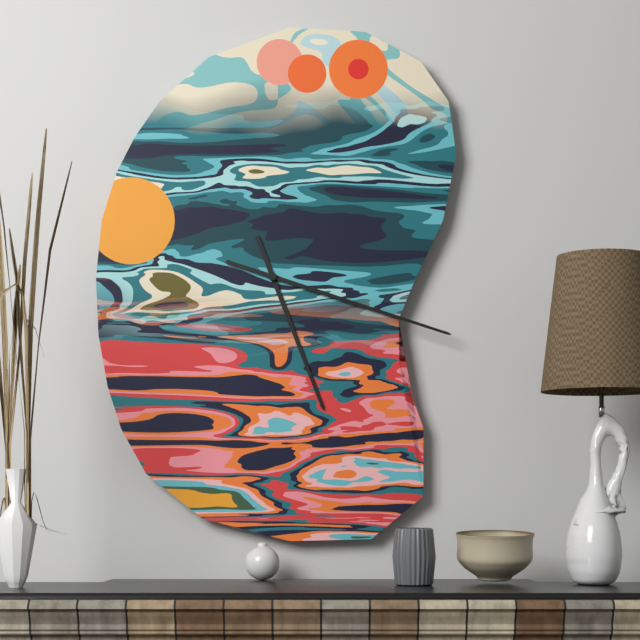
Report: 5.18
